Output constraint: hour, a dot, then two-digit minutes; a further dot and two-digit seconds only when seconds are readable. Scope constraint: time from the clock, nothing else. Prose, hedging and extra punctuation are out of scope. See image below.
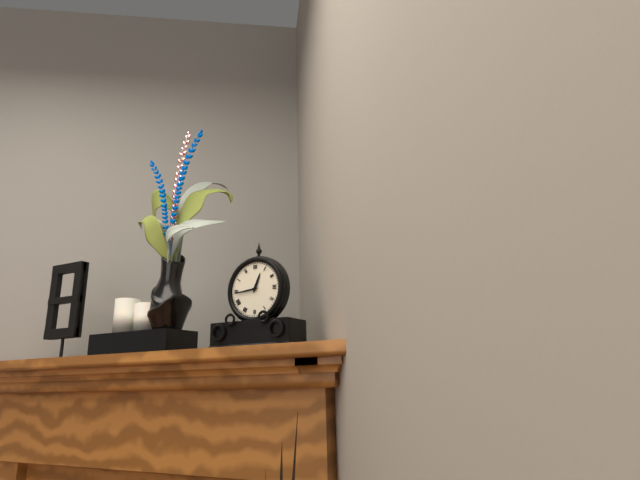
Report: 12.44
